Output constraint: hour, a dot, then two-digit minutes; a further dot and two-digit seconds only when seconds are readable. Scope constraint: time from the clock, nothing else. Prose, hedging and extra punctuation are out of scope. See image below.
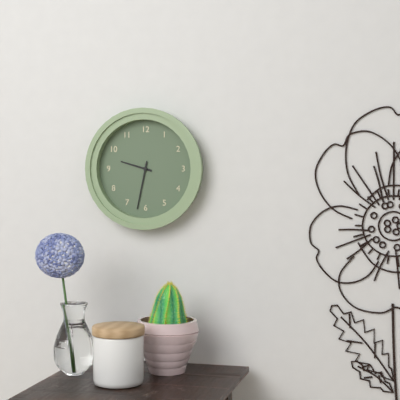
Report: 9.32
